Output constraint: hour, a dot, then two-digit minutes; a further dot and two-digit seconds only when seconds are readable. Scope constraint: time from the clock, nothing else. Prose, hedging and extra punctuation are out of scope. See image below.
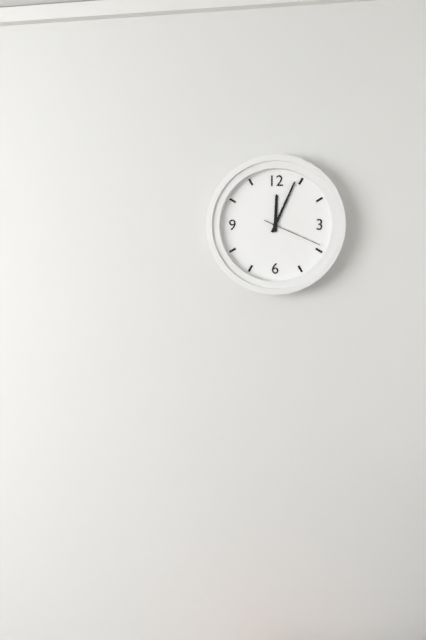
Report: 12.04.19
